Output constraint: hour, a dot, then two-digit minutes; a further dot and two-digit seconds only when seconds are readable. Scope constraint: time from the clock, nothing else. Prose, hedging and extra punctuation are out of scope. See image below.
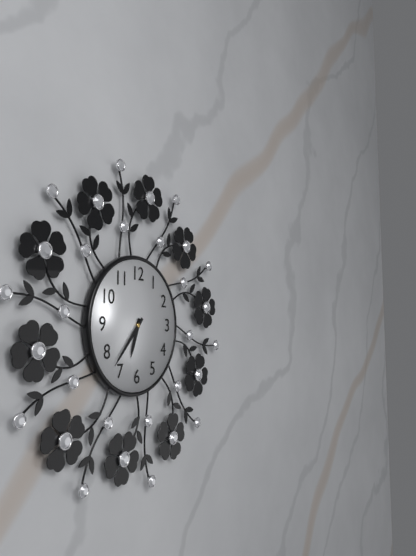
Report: 6.37
